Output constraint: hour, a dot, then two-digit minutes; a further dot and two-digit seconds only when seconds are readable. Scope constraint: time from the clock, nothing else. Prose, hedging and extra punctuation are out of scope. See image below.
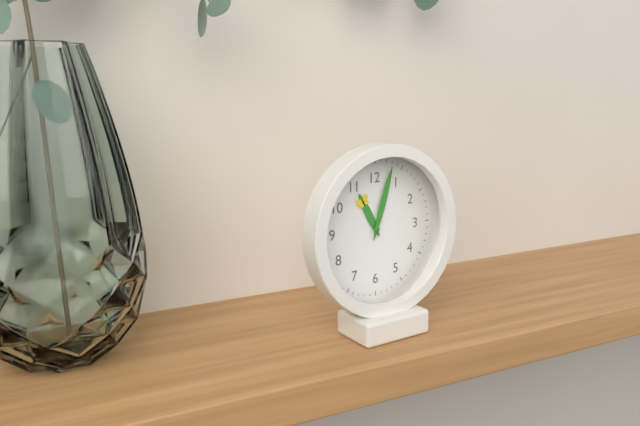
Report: 11.03
